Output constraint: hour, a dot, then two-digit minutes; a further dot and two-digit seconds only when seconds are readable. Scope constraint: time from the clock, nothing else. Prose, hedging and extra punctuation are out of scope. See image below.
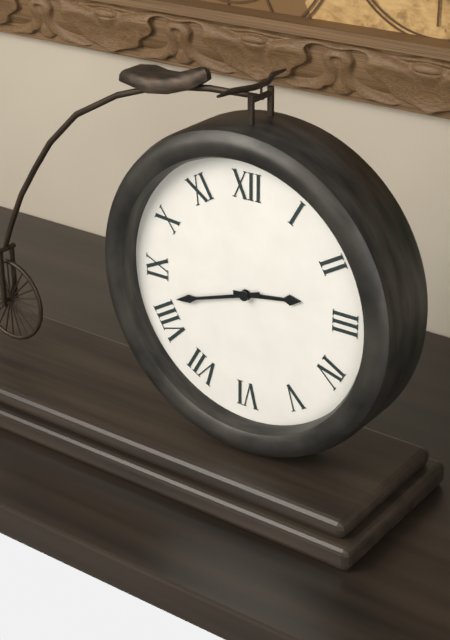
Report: 2.42
